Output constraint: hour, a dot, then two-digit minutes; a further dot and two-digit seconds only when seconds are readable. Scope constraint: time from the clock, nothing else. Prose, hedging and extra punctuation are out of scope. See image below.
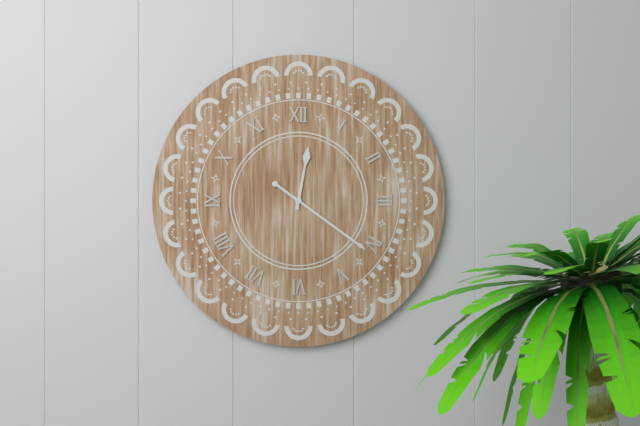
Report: 12.21
